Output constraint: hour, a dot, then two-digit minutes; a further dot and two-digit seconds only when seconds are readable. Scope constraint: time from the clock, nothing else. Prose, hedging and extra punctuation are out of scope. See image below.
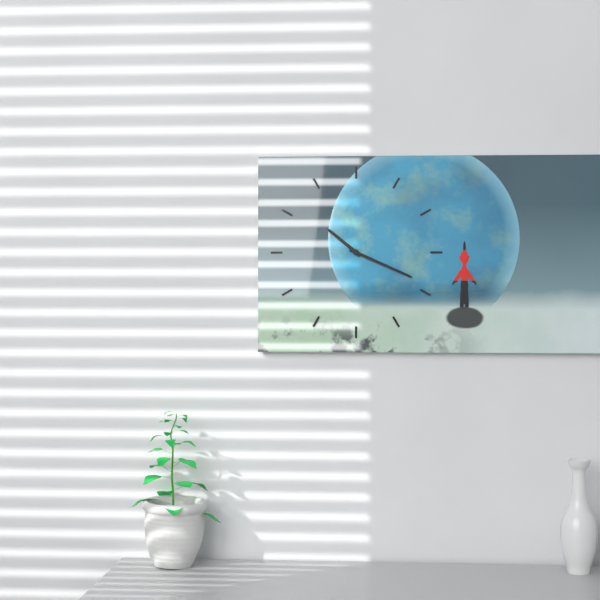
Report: 10.19
